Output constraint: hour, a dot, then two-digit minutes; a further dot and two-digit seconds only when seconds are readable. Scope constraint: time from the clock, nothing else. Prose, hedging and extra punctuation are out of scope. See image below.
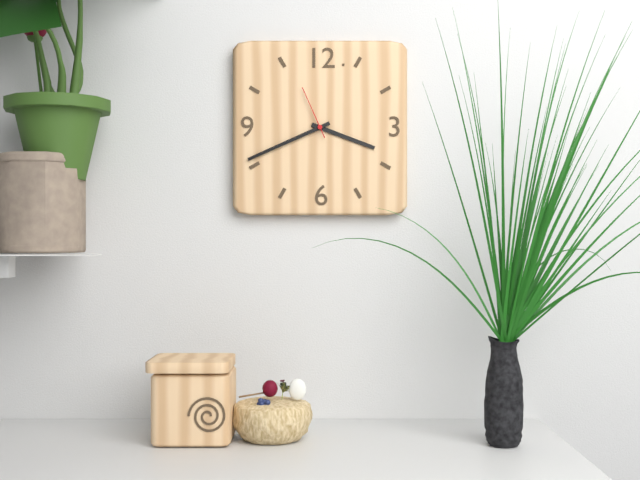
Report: 3.41.56
